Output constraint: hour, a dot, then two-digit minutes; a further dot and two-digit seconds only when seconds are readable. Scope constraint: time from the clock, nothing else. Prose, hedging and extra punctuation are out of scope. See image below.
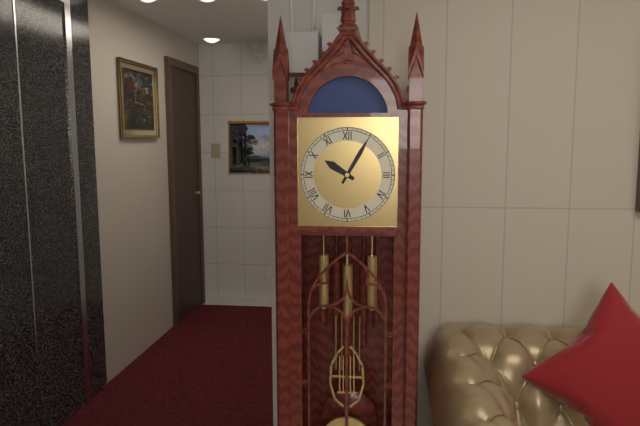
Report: 10.05
